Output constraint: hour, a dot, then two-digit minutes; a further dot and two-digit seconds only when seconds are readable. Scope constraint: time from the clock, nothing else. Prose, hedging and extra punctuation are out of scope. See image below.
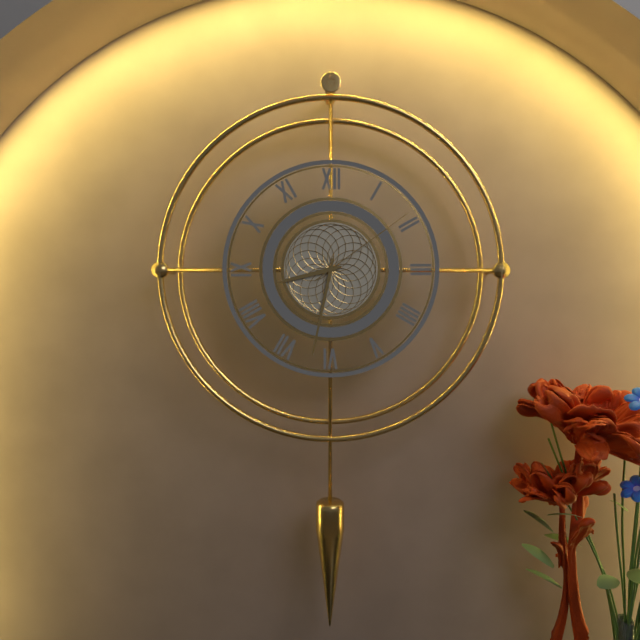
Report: 8.32.09
